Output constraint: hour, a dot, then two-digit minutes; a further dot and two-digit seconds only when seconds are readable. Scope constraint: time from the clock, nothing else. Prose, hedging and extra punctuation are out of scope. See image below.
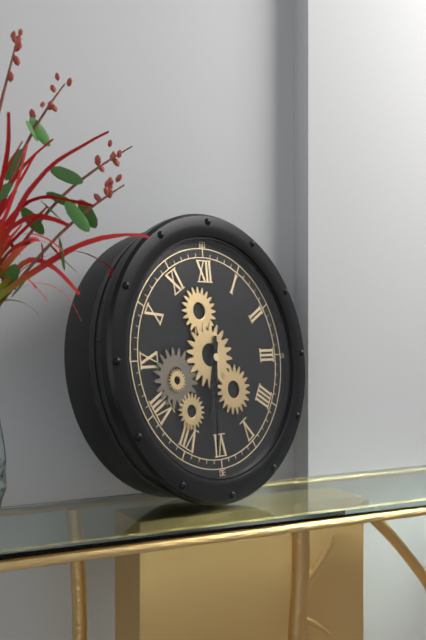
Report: 6.31
